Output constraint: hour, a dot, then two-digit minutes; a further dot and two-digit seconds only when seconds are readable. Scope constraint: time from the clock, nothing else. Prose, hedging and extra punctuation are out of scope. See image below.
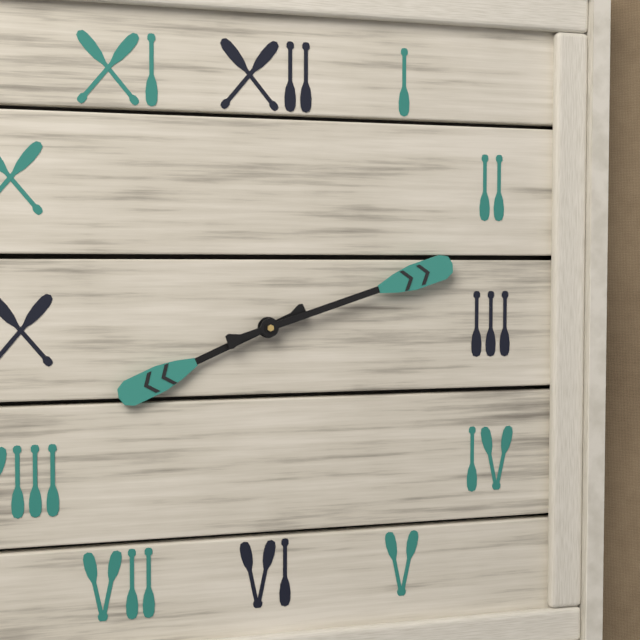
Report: 8.12
